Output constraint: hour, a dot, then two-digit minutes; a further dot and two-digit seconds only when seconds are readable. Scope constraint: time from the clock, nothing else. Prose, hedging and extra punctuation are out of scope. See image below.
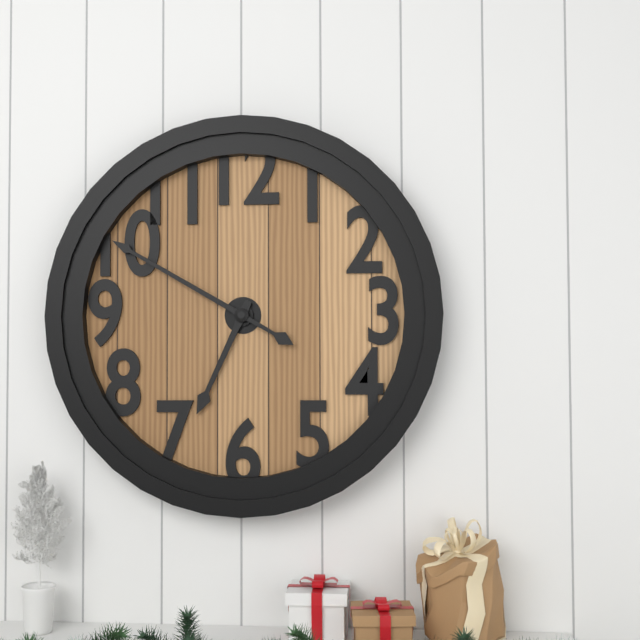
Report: 6.50
